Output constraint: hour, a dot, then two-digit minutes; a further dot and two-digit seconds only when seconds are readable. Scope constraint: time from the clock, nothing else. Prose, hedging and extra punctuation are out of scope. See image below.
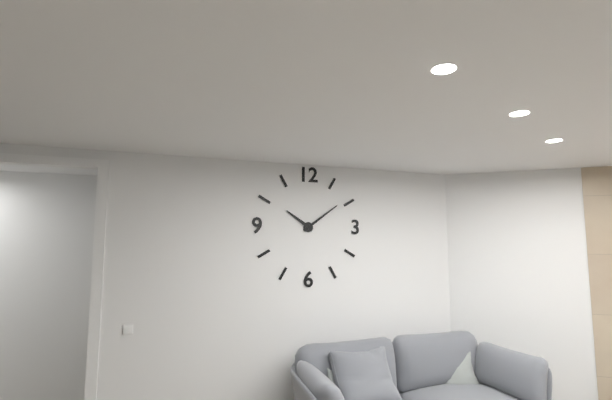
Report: 10.09
